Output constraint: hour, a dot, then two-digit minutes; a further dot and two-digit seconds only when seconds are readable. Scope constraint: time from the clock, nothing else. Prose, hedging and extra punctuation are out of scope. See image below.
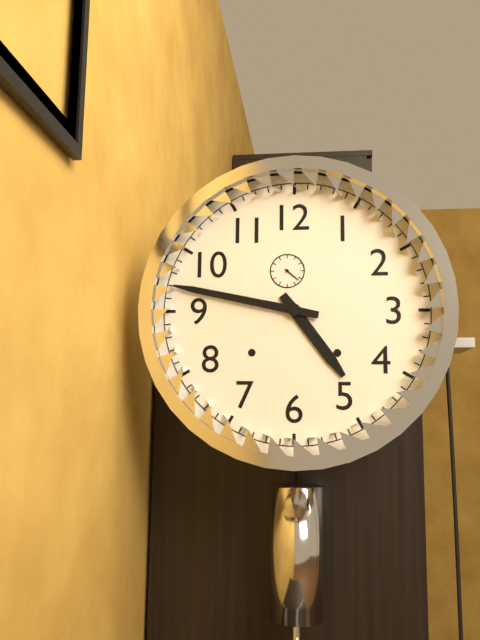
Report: 4.47
